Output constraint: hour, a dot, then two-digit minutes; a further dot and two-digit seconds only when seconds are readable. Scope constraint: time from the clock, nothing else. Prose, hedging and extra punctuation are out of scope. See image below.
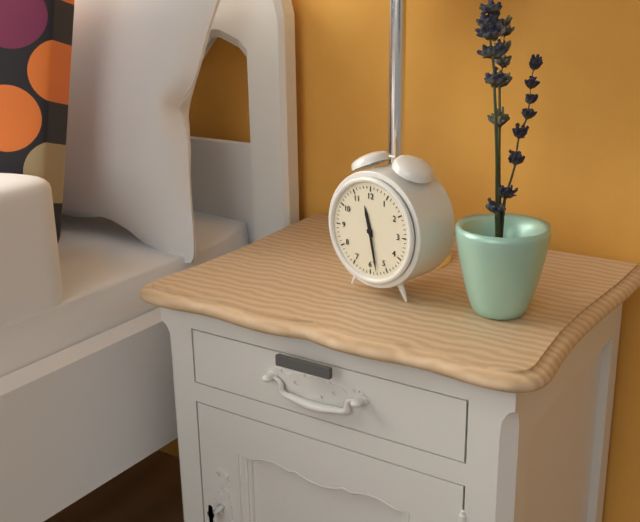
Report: 11.28
